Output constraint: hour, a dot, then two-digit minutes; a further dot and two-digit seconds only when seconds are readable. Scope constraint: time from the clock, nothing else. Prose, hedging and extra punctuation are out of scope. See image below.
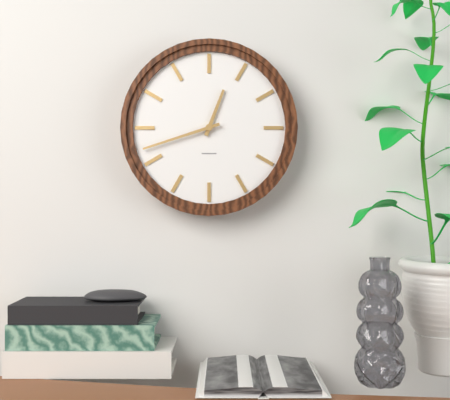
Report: 12.42
